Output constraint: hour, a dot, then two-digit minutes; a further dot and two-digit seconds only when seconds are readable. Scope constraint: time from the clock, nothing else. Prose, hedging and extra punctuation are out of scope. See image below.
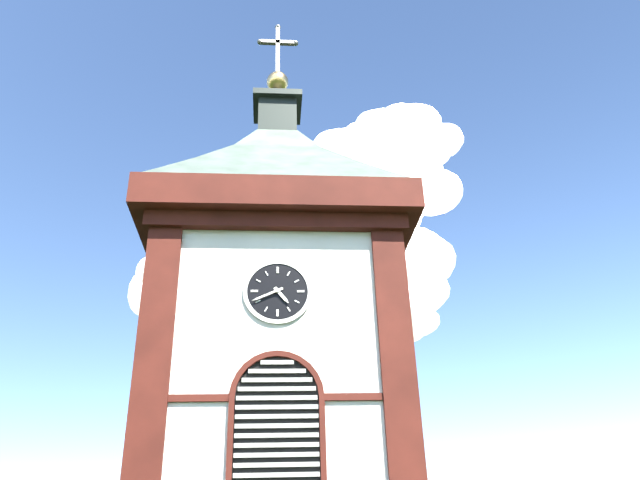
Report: 4.41
